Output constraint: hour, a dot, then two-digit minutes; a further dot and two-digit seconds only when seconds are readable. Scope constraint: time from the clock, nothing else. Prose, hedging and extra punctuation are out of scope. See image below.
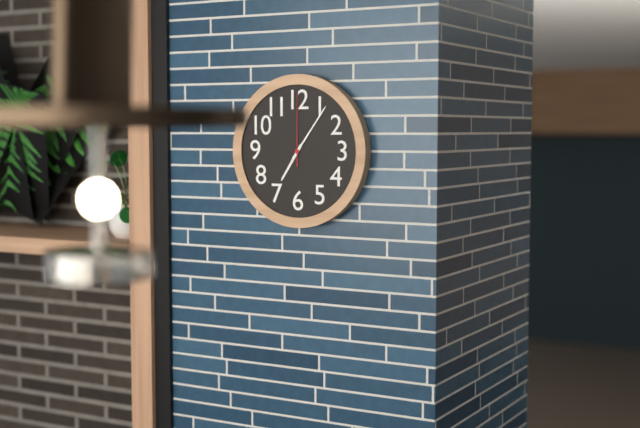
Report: 7.06.00
